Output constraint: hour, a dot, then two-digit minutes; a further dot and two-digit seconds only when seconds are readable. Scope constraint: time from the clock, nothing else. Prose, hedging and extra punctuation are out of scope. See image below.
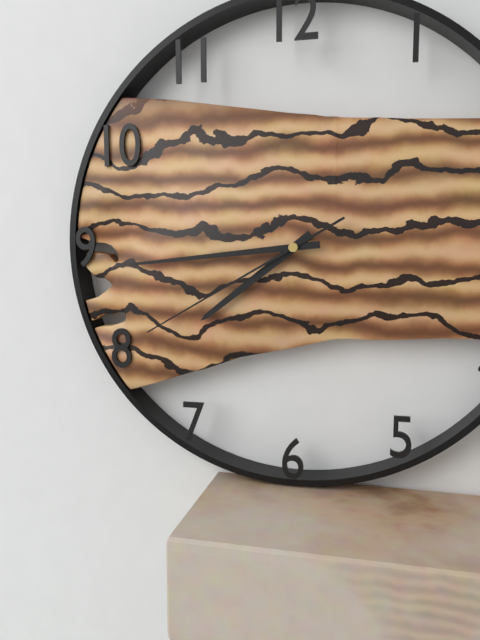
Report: 7.44.40
